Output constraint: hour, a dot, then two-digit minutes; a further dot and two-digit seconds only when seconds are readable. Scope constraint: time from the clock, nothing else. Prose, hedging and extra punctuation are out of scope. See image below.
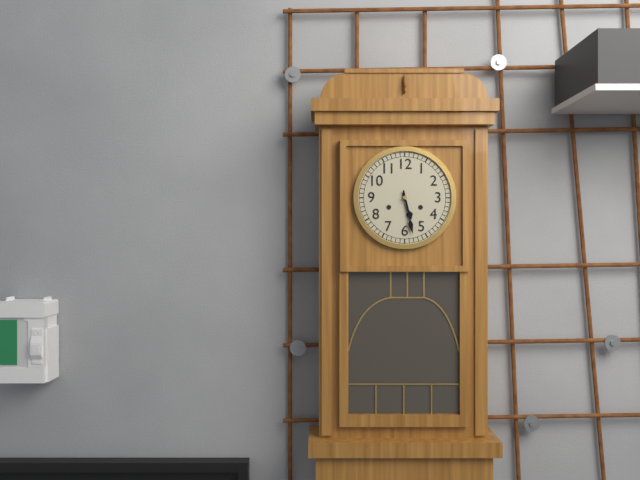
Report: 5.28
